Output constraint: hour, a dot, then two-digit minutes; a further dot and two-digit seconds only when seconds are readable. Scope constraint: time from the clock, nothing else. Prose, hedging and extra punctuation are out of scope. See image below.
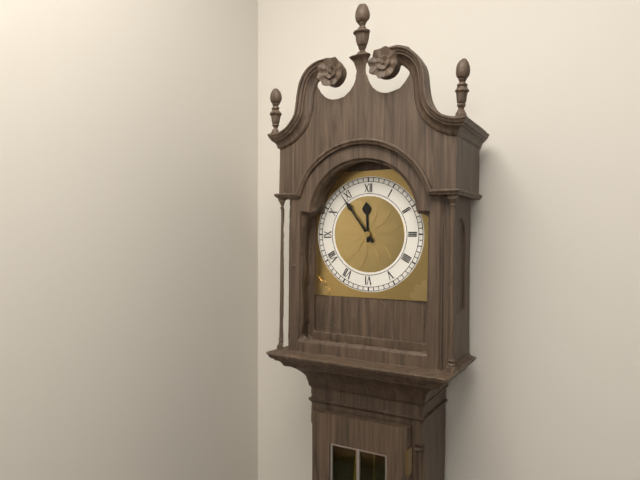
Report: 11.54
